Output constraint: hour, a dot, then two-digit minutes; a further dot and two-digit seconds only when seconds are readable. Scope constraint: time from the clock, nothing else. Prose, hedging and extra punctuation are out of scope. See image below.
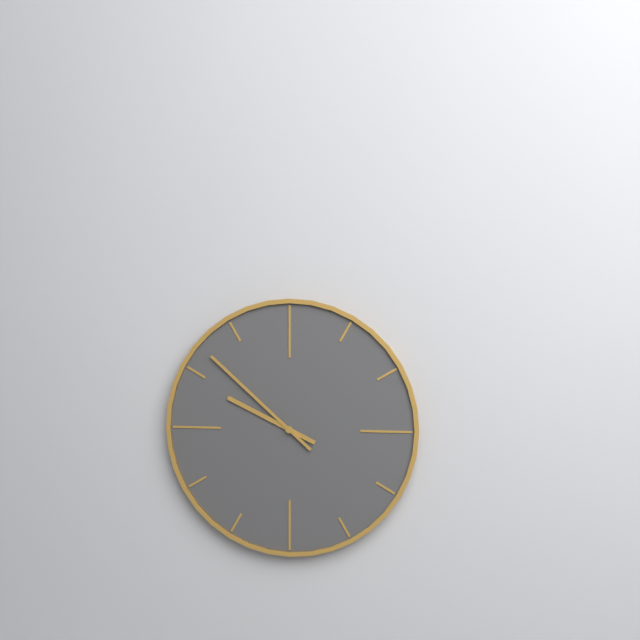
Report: 9.52
